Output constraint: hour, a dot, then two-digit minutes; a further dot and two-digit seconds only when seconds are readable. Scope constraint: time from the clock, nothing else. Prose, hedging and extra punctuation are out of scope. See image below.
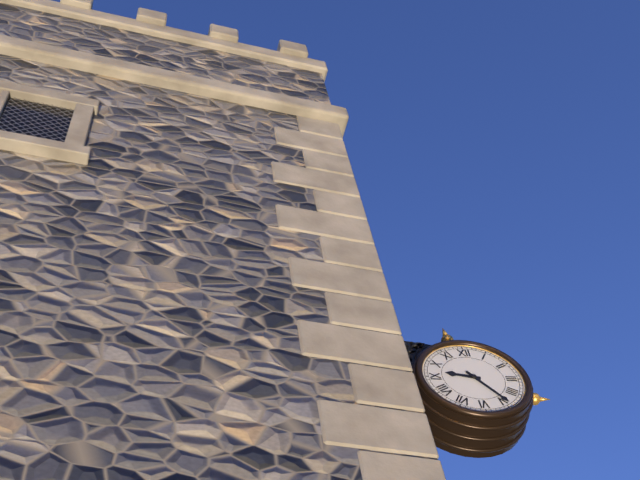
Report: 9.24
